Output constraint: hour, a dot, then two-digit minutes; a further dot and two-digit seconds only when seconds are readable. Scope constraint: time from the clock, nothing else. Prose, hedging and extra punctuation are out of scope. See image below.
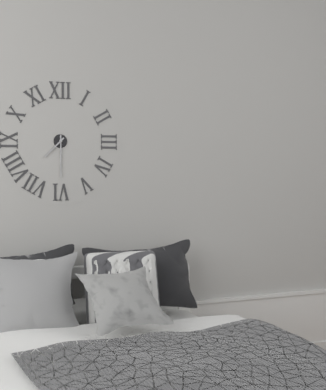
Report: 7.30
